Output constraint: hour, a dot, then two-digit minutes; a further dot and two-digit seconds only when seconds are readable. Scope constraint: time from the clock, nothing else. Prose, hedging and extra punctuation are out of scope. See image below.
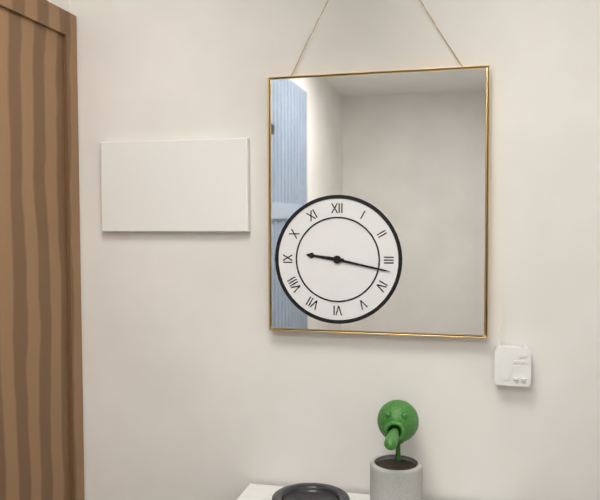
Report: 9.17
